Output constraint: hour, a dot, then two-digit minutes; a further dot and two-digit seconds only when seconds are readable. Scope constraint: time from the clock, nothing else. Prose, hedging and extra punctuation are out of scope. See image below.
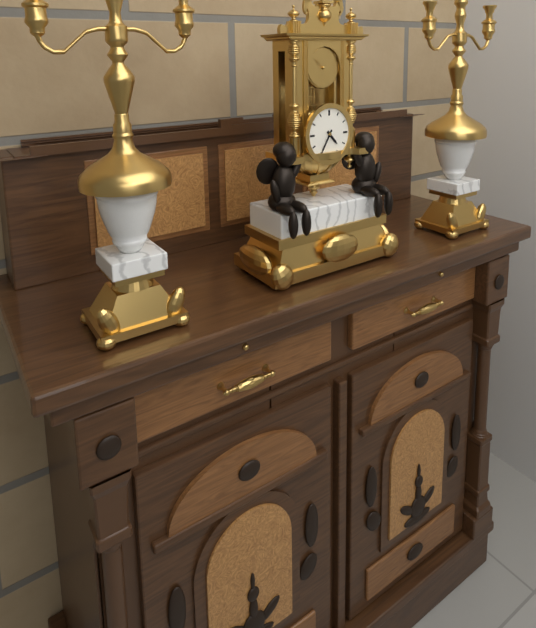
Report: 4.35
